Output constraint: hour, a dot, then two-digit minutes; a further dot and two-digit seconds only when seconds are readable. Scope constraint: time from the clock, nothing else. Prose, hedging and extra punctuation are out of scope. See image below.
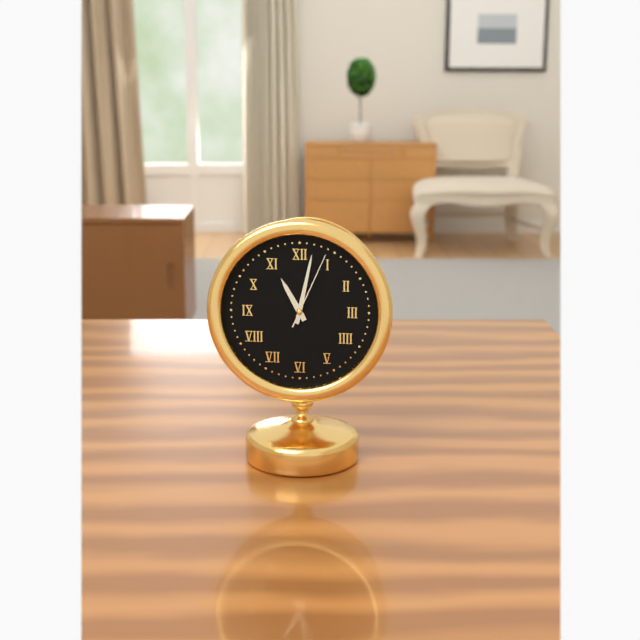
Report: 11.02.04
